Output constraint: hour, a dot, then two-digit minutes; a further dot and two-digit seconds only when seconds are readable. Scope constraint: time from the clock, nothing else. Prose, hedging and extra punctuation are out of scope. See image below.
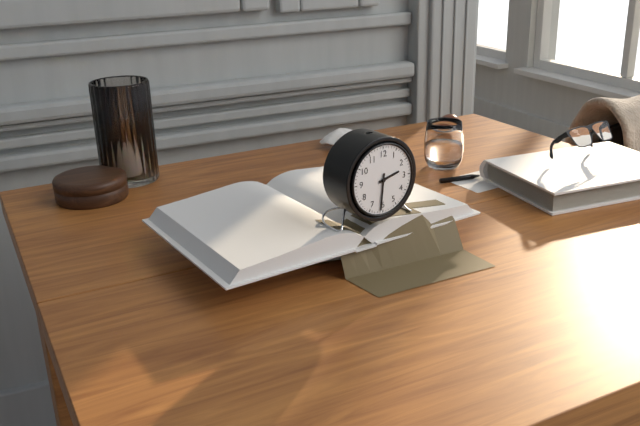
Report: 2.31
